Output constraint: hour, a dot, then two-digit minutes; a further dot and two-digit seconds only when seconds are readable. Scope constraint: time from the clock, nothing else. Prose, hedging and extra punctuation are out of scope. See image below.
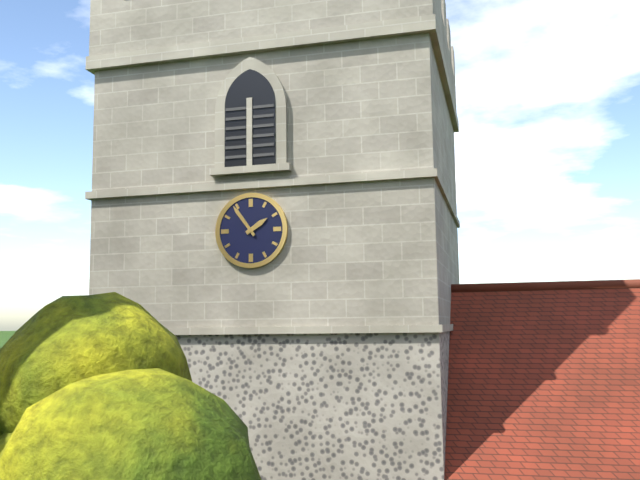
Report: 1.54
